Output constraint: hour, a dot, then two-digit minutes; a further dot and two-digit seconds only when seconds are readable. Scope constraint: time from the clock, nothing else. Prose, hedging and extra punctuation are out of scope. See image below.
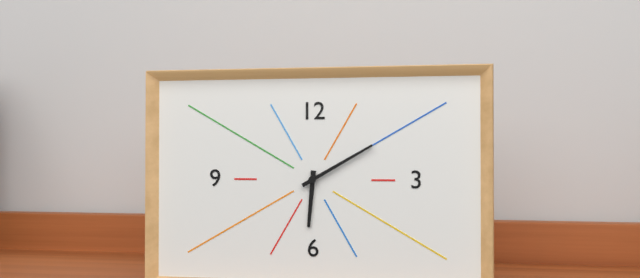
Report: 6.10
